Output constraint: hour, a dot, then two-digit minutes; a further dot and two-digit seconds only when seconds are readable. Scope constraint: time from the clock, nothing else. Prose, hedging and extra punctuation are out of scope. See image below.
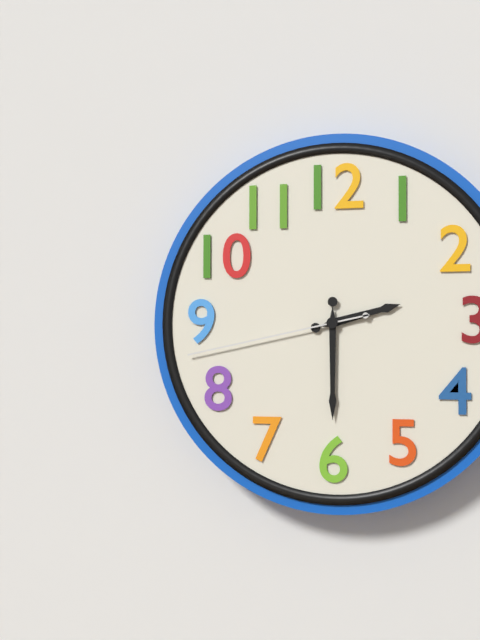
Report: 2.30.43
